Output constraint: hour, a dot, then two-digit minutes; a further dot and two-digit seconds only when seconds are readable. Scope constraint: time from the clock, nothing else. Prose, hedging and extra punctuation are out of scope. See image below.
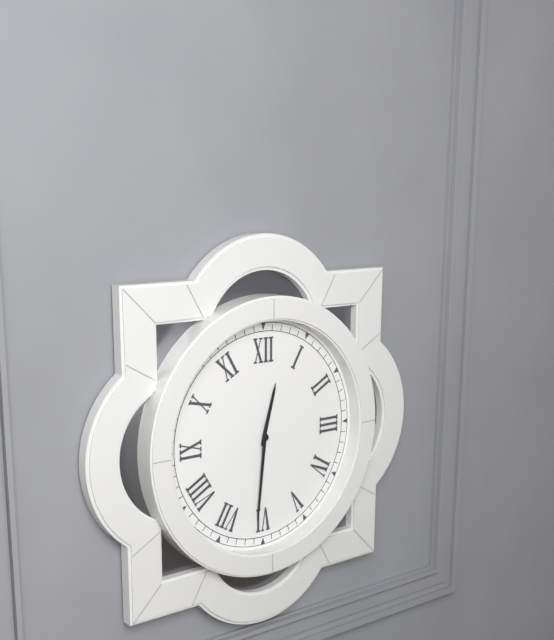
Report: 12.31
